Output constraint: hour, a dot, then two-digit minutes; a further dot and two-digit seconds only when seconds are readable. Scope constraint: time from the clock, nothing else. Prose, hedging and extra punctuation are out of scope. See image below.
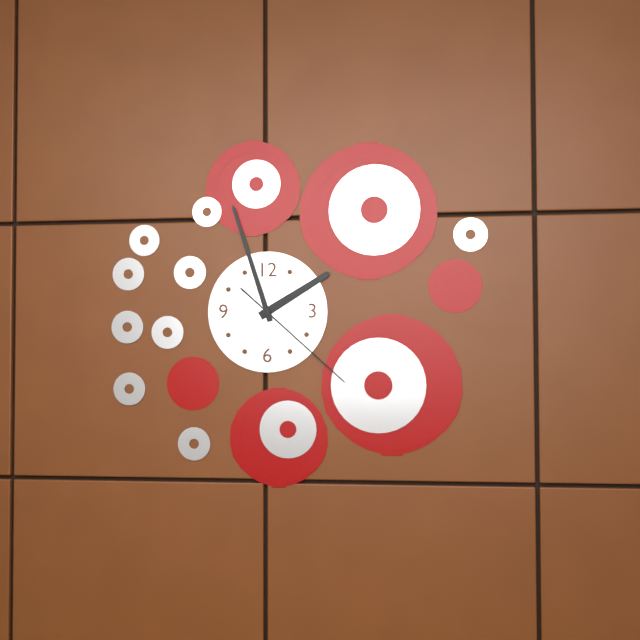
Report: 1.57.22
